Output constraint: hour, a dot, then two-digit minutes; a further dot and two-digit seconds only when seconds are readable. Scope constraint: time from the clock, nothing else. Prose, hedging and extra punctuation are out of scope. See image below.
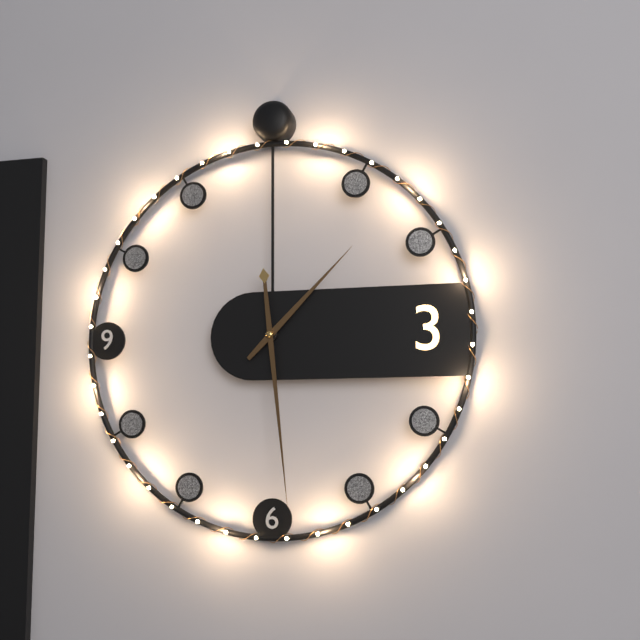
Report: 1.29
